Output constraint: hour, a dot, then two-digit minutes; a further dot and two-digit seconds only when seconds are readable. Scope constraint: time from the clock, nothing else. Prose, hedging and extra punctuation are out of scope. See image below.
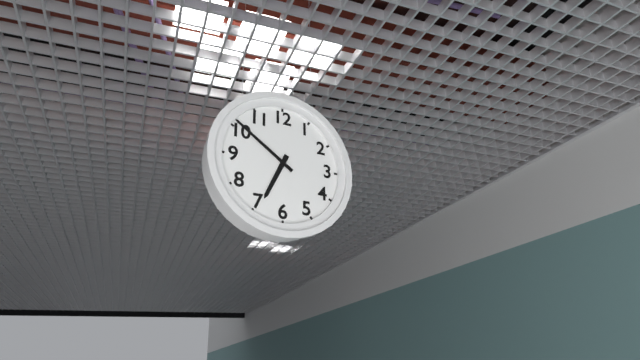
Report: 6.51
